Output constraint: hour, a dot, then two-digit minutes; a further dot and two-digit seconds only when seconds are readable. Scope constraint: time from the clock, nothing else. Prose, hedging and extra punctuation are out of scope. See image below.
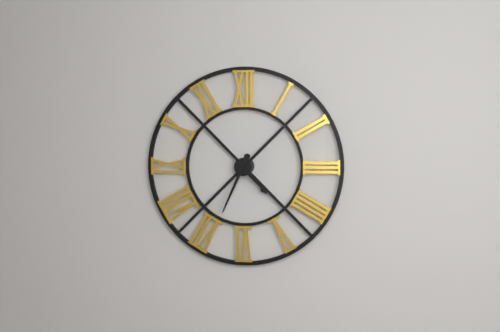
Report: 4.34
